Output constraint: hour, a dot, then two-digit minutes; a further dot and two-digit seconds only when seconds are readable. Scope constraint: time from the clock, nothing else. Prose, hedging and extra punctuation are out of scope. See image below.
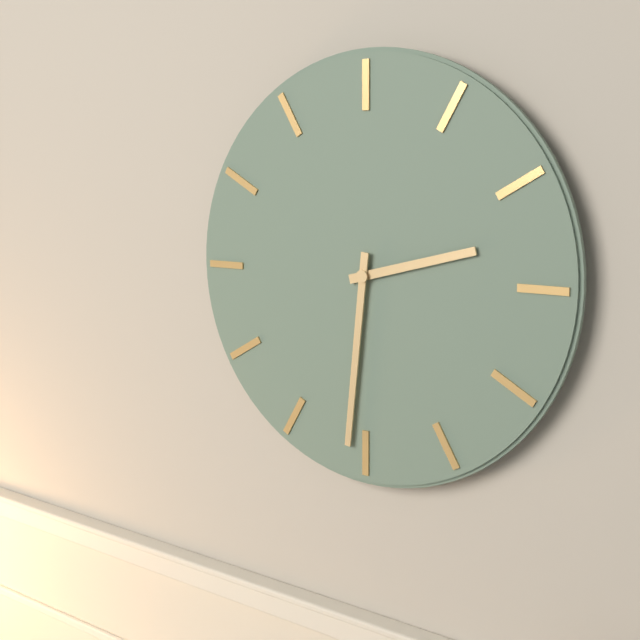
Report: 2.31
